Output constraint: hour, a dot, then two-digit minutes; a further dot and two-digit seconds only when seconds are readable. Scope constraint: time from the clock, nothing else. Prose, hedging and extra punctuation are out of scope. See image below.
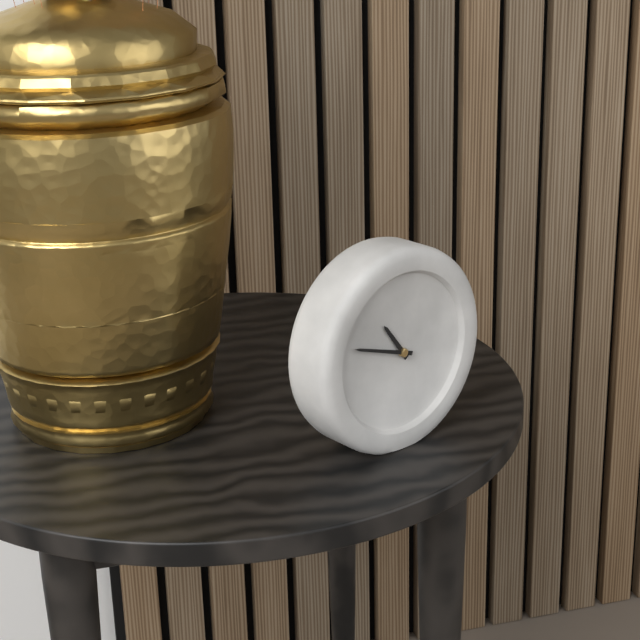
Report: 10.48
